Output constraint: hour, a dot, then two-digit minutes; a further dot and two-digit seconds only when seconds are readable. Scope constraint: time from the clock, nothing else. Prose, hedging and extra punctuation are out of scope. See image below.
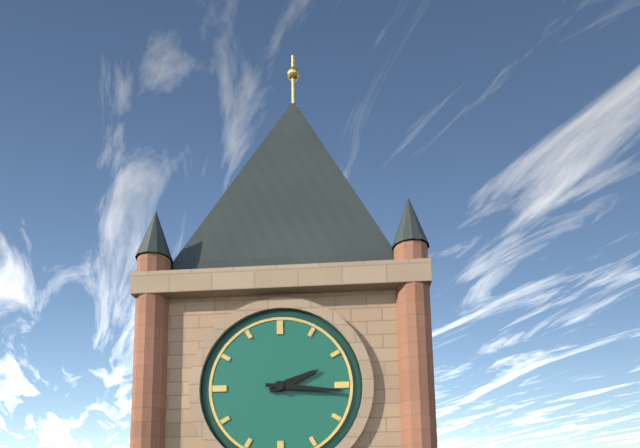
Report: 2.16
